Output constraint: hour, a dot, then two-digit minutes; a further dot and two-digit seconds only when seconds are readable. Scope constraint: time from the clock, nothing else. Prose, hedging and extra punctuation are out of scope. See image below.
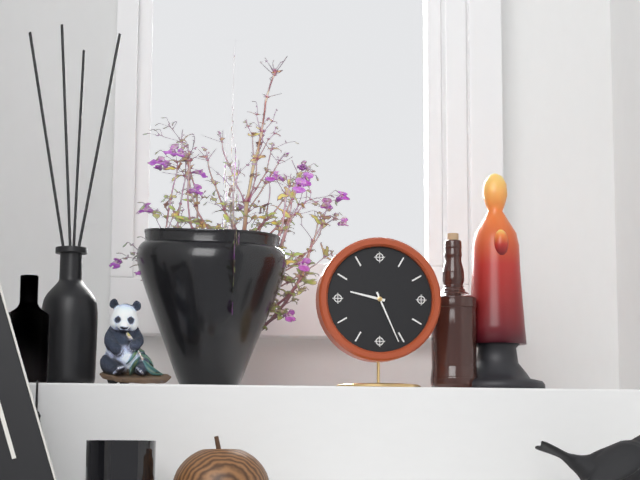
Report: 9.26
